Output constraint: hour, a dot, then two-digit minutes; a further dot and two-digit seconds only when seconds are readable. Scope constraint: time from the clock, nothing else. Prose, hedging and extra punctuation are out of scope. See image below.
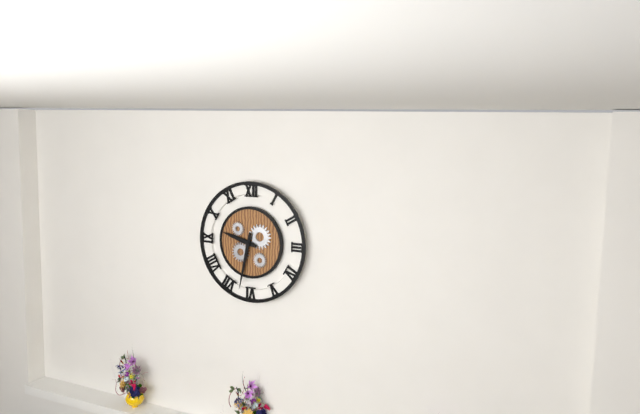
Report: 9.32
